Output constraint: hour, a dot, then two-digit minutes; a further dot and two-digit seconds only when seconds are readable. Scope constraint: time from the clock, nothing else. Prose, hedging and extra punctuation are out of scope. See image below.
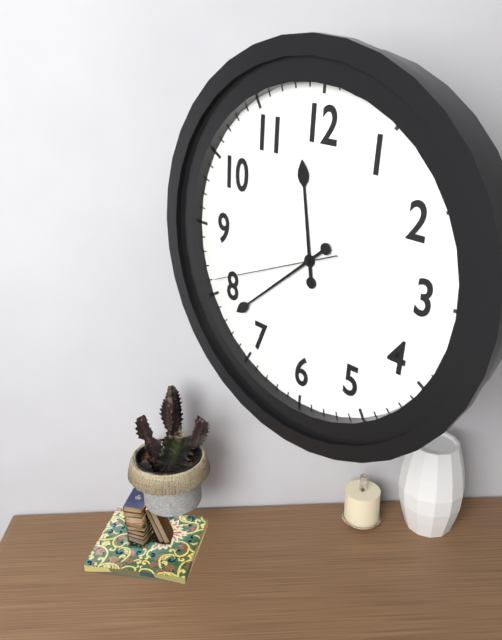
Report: 11.38.41
